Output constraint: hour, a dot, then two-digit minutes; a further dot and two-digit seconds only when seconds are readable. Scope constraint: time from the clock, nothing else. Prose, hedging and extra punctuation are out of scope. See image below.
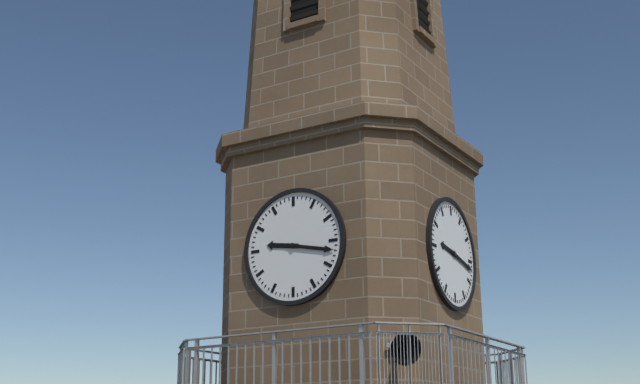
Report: 9.17
